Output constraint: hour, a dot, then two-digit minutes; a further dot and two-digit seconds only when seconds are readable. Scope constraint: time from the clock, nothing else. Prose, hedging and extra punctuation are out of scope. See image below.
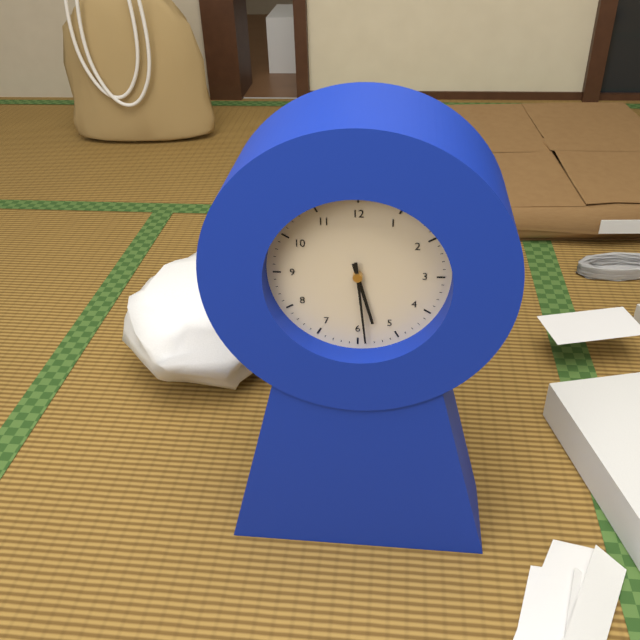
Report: 5.29
